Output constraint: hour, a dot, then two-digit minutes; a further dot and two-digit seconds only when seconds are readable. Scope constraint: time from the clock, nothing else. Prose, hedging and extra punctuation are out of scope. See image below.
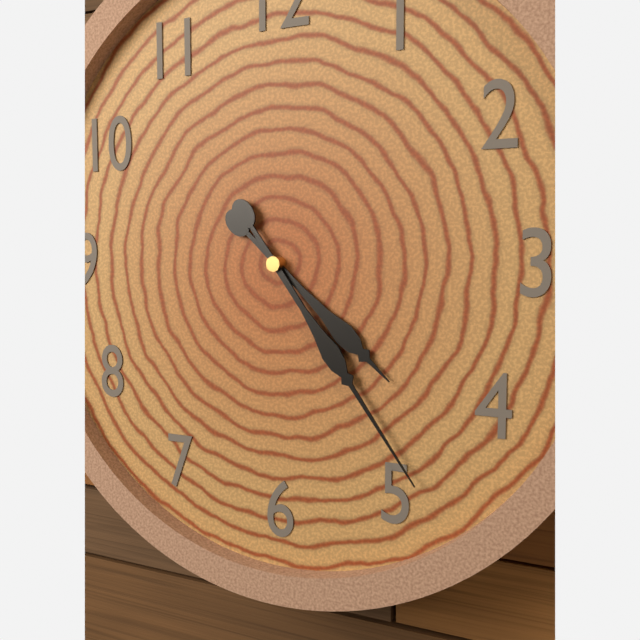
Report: 4.24
